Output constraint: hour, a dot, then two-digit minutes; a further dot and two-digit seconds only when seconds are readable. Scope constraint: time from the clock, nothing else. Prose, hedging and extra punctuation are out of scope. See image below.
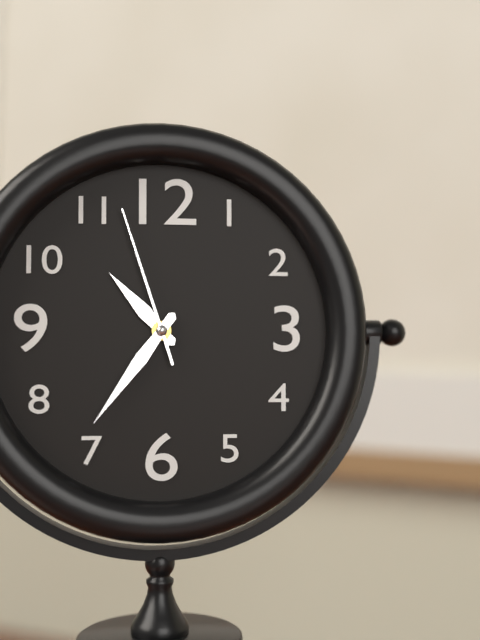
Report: 10.36.57
